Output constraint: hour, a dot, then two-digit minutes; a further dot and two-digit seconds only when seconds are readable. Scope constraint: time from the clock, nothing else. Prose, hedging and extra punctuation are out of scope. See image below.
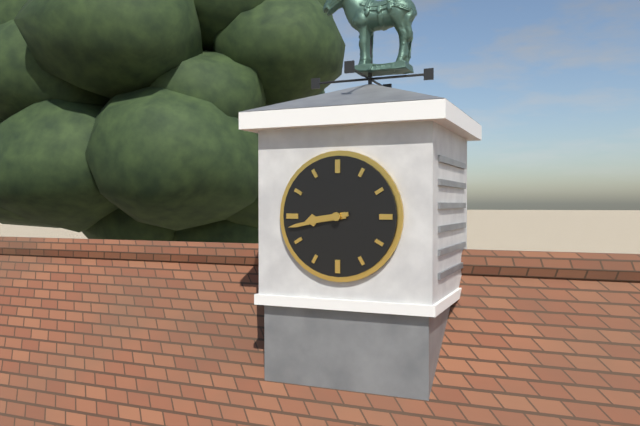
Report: 8.43
